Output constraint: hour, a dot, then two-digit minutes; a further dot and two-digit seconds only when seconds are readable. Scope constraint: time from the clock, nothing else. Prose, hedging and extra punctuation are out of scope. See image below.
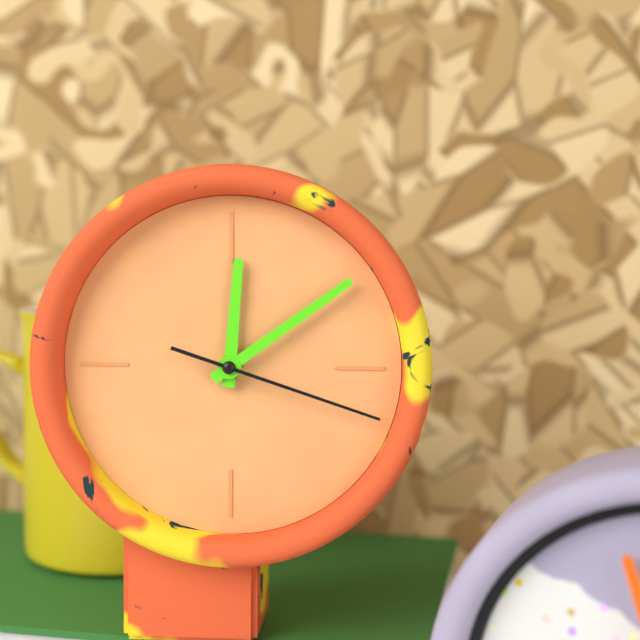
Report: 12.09.18
